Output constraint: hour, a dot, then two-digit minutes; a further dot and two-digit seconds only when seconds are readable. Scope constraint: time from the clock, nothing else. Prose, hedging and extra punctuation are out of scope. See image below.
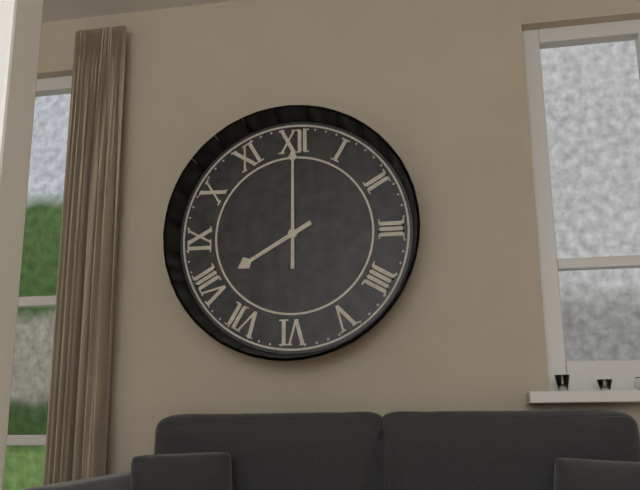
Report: 8.00
